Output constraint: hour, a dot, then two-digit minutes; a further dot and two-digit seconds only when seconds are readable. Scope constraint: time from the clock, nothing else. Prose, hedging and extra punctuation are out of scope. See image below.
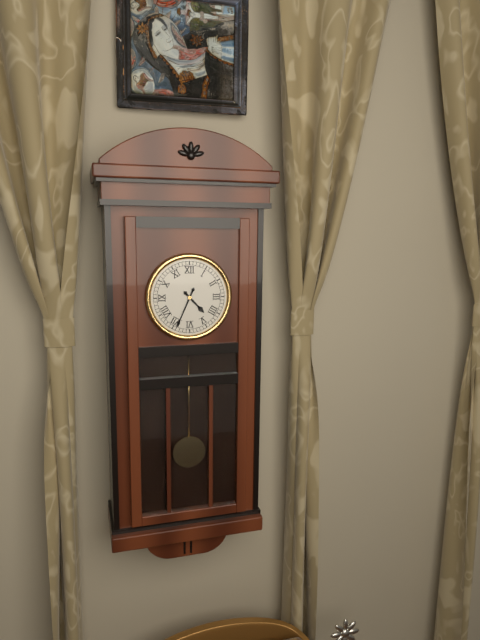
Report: 4.34
